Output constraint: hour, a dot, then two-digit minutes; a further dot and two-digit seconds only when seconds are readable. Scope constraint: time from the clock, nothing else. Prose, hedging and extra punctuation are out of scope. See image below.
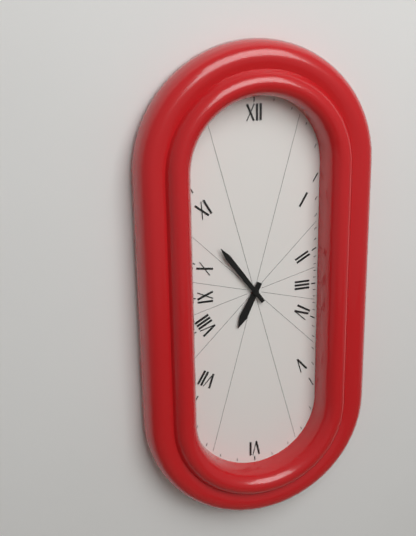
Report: 6.54
